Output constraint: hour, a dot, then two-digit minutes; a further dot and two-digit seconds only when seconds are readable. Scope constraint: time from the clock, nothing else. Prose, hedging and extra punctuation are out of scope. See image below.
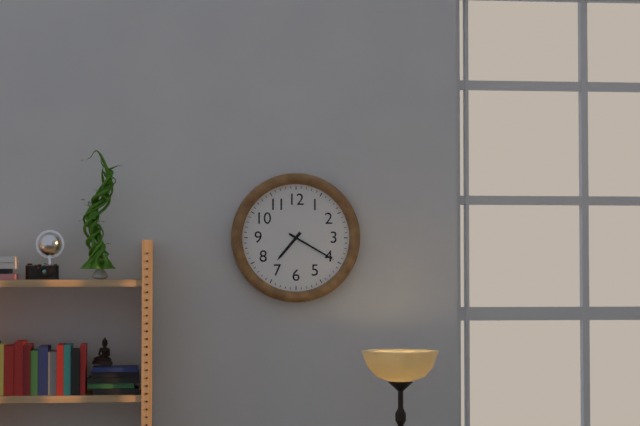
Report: 7.20
